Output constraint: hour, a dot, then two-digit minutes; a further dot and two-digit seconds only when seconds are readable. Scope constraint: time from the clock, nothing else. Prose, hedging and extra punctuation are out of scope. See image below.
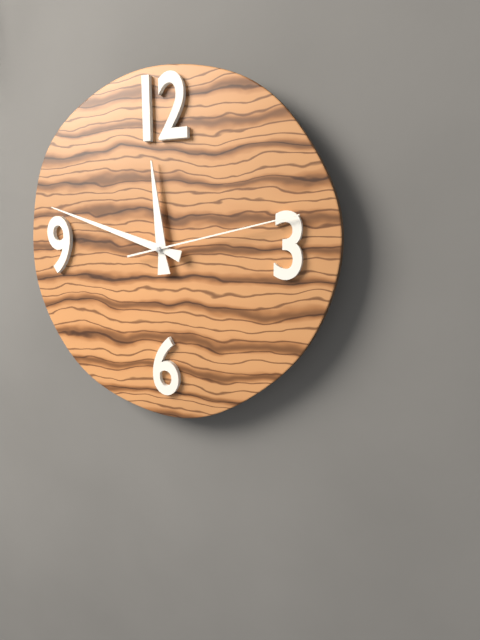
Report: 11.48.13
